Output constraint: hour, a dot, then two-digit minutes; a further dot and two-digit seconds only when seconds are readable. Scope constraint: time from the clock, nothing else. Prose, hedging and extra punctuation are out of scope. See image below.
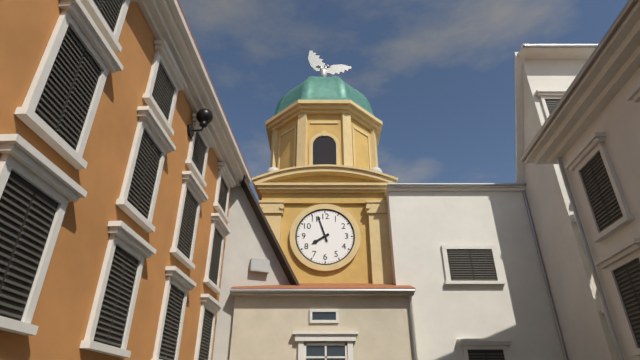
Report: 7.57
